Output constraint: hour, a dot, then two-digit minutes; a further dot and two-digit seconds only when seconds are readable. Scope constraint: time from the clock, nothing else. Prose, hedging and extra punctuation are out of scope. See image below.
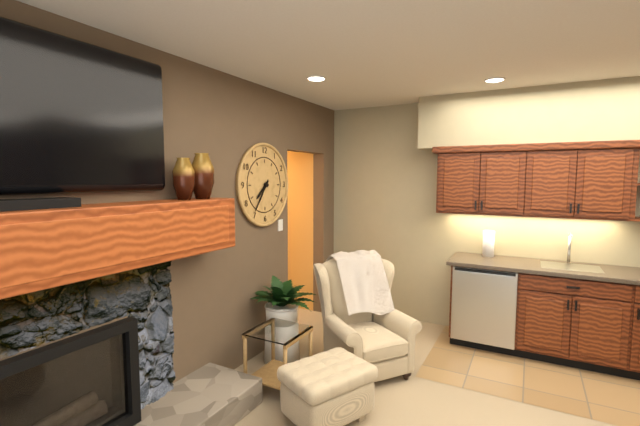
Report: 7.36
